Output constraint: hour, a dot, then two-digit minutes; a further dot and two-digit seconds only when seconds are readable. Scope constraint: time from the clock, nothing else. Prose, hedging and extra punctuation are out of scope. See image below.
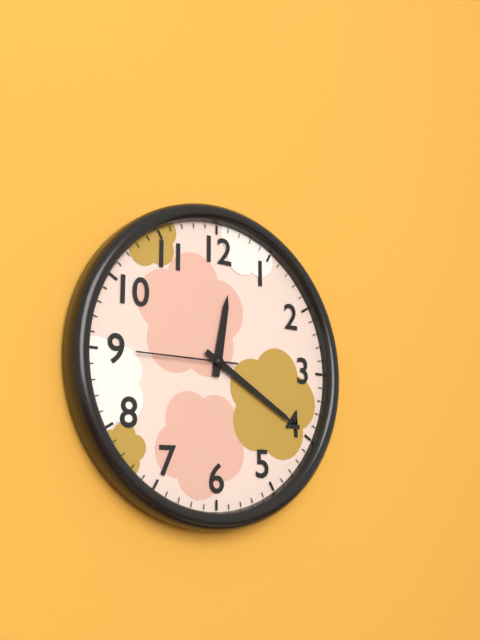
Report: 12.20.45
